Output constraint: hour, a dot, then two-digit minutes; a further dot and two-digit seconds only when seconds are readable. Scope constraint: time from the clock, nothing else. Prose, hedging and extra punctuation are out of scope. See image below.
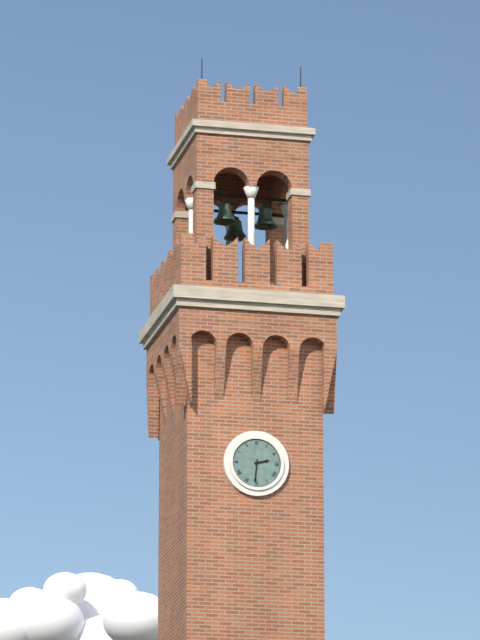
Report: 2.31
